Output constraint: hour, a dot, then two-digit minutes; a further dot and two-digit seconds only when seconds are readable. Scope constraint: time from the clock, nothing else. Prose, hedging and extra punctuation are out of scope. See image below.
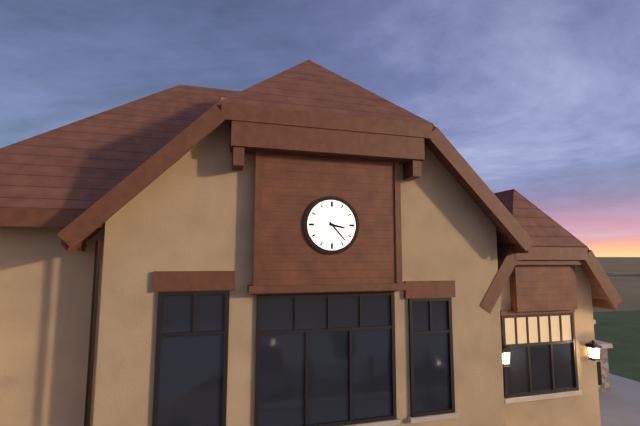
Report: 3.23
